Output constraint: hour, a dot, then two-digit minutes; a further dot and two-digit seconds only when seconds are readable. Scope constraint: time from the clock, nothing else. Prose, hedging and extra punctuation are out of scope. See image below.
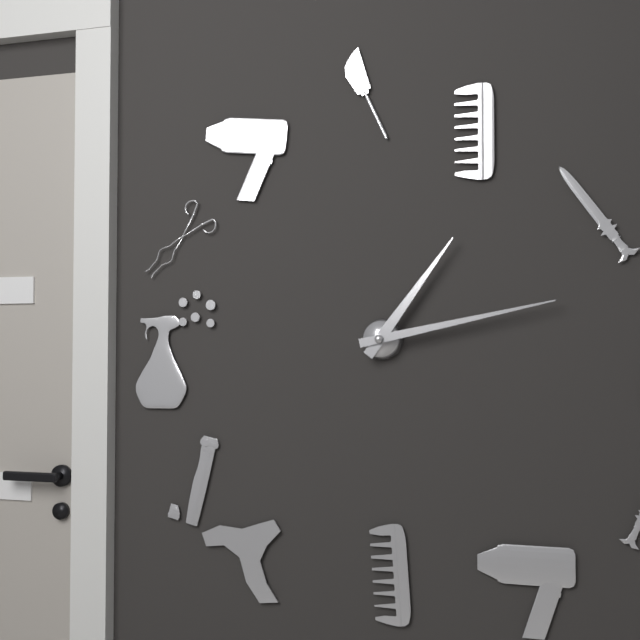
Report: 1.13
